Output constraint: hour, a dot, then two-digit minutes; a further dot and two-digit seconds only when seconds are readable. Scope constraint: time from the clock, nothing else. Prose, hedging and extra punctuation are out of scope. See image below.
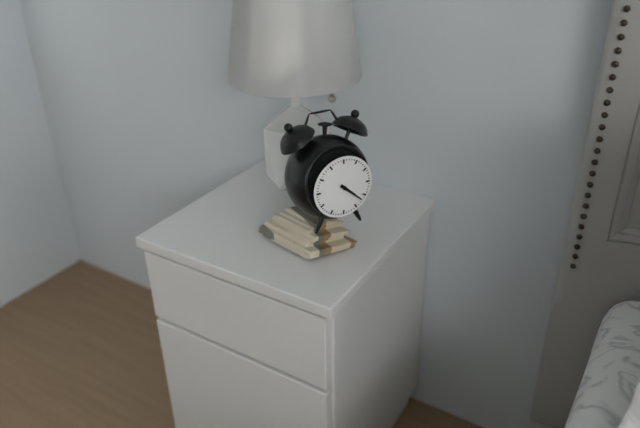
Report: 4.22
